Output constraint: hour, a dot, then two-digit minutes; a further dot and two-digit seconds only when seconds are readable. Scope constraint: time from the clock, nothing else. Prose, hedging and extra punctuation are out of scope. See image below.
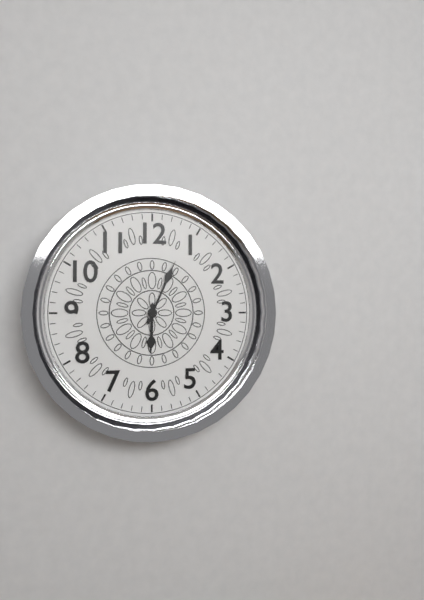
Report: 6.04
